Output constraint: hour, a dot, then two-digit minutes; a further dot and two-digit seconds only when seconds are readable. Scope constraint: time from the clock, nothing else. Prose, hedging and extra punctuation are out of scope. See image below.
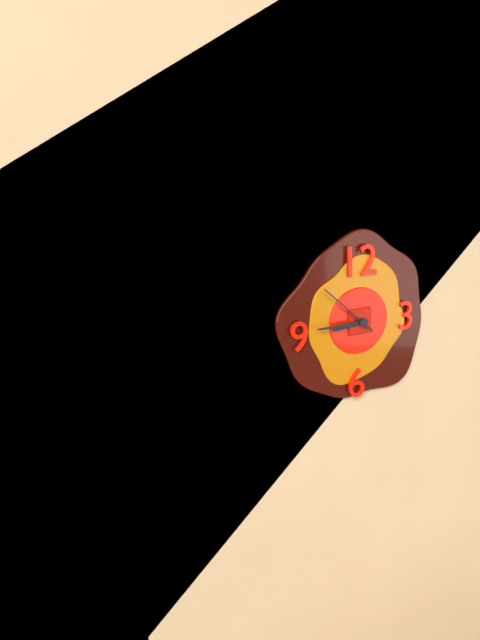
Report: 8.45.52
